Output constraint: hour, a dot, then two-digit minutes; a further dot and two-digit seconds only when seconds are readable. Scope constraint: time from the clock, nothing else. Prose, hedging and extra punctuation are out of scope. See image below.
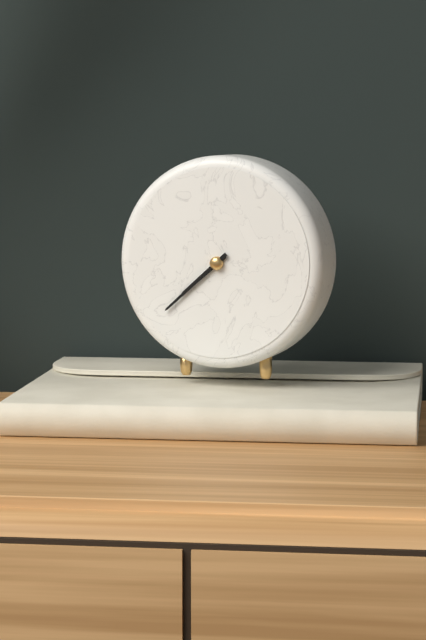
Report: 7.38
